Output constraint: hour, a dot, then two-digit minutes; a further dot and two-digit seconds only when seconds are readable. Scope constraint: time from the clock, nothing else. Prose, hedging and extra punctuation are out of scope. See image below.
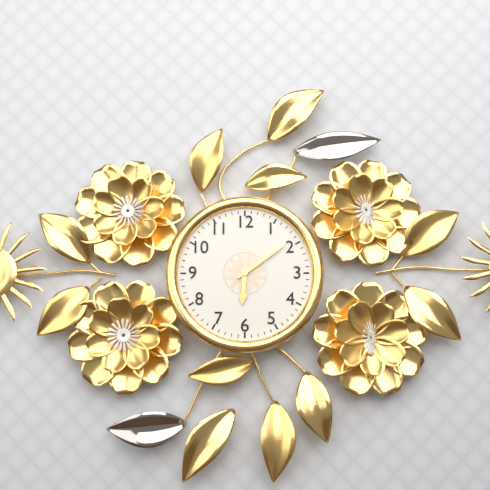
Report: 6.09
